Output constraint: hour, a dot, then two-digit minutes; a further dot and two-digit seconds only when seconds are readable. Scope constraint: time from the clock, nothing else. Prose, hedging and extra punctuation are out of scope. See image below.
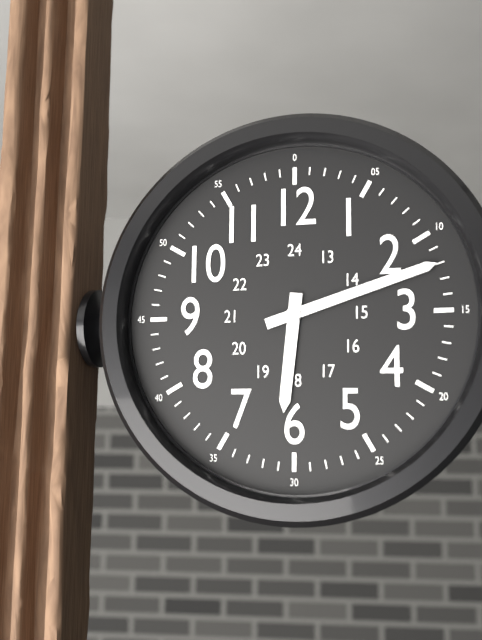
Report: 6.12
